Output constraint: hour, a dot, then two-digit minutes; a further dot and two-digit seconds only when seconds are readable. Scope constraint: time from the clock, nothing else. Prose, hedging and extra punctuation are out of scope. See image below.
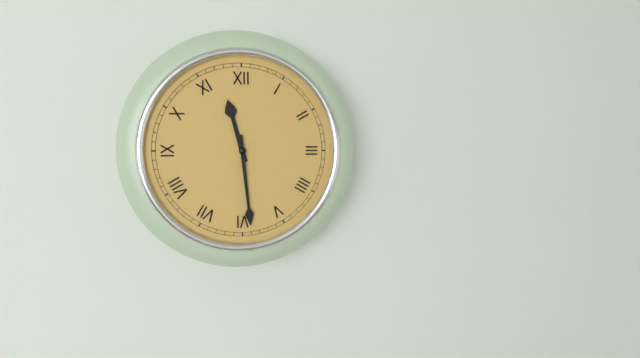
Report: 11.29
